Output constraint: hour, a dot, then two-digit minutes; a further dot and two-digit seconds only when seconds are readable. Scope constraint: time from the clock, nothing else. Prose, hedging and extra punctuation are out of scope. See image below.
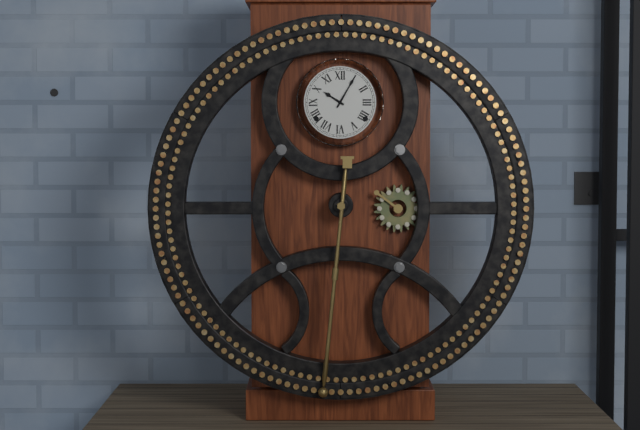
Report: 10.05
